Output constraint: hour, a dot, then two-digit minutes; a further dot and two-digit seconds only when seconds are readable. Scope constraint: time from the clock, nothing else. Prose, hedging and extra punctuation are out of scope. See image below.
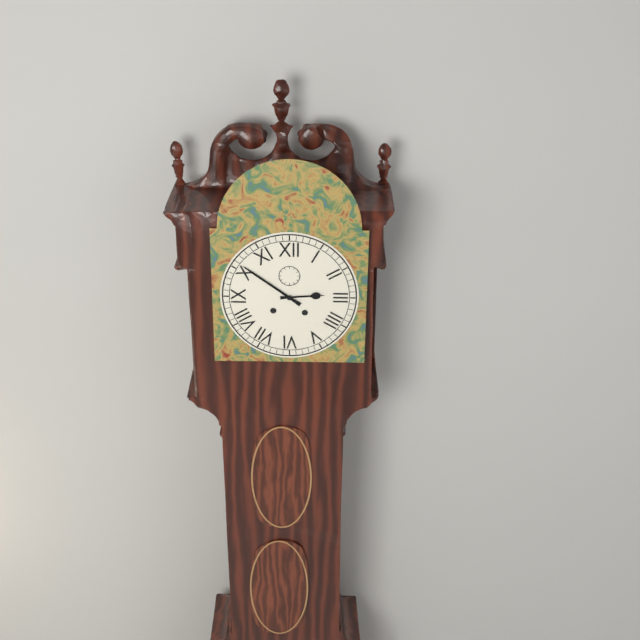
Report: 2.51
